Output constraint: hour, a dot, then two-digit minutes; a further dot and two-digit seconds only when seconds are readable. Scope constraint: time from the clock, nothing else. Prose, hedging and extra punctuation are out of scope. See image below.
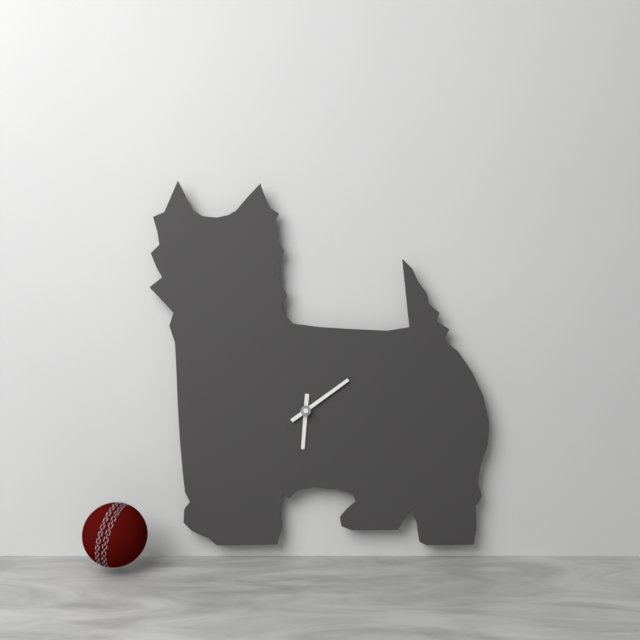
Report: 6.09
